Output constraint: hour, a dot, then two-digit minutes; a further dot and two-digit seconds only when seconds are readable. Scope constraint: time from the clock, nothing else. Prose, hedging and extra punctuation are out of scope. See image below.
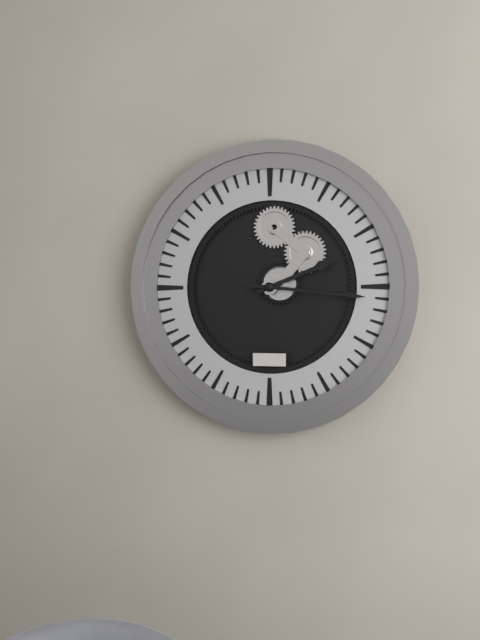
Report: 2.16
